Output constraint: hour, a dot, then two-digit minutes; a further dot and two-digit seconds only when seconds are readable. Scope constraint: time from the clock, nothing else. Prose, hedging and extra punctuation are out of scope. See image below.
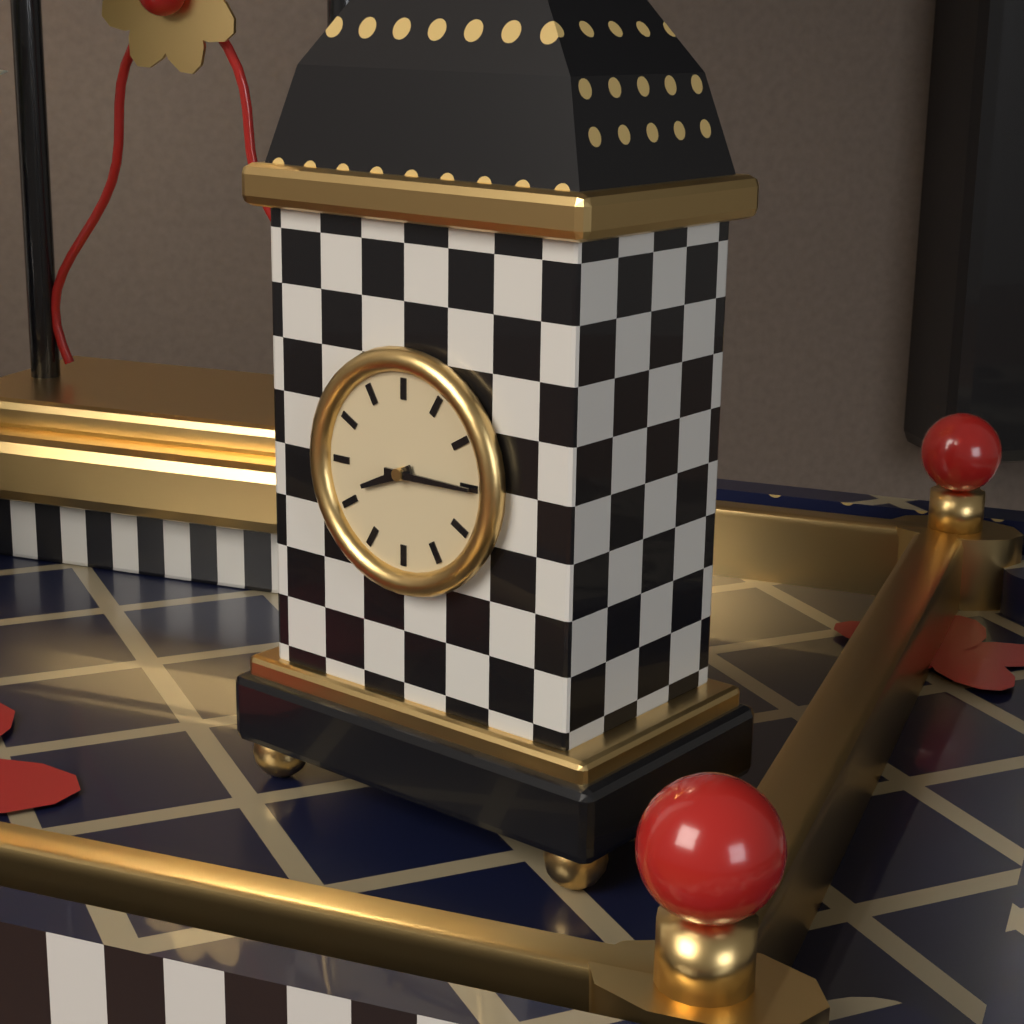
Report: 8.15
